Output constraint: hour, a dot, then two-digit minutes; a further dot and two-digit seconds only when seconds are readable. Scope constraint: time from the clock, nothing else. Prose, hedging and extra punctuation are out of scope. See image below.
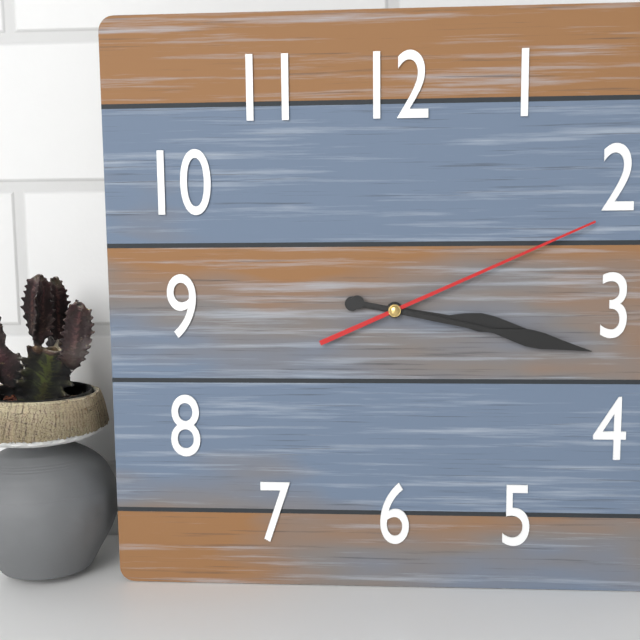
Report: 3.17.11
